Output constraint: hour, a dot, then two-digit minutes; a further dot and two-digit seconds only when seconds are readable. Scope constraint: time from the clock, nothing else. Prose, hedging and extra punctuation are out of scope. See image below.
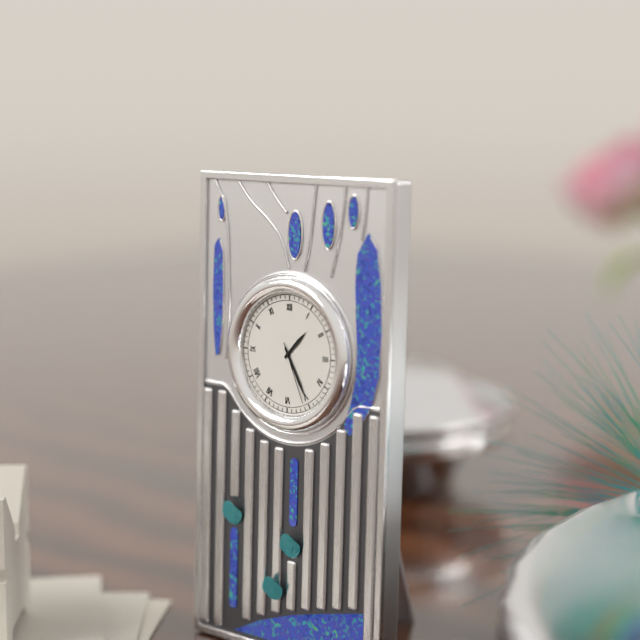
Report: 1.25.26
